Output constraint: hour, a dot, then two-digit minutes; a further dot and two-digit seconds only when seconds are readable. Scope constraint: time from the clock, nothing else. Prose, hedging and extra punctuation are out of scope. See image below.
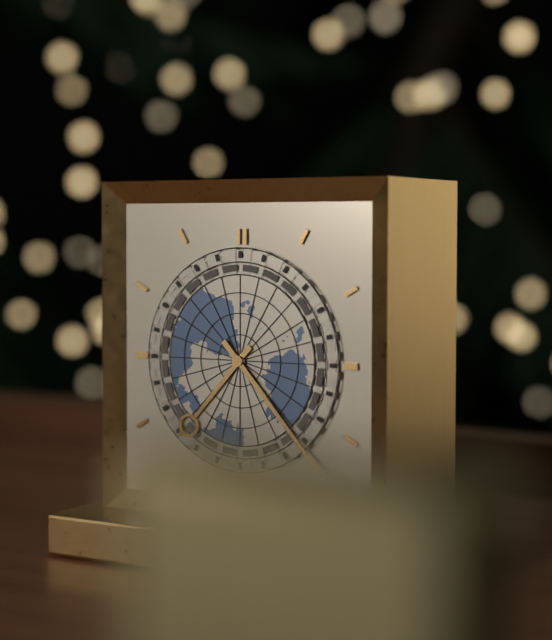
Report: 7.23
